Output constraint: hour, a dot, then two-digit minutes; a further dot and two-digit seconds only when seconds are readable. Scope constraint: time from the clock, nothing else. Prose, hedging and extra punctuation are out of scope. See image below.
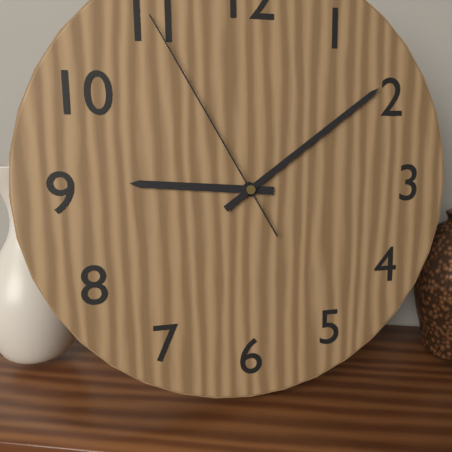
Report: 9.09.55
